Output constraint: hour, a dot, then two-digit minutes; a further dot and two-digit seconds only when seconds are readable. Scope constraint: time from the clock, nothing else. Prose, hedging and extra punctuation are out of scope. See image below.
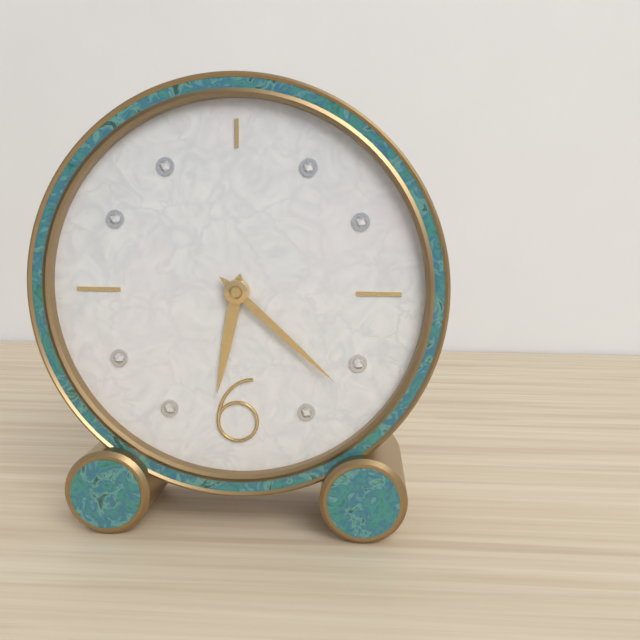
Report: 6.22
